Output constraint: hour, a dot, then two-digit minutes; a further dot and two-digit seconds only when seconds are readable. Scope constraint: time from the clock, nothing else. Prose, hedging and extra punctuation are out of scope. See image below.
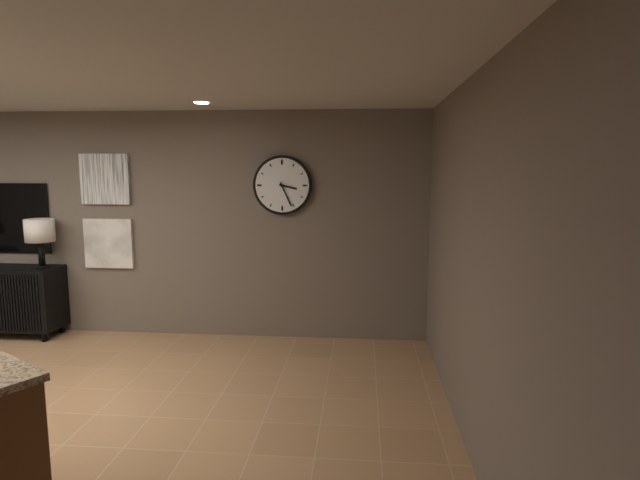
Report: 3.26
